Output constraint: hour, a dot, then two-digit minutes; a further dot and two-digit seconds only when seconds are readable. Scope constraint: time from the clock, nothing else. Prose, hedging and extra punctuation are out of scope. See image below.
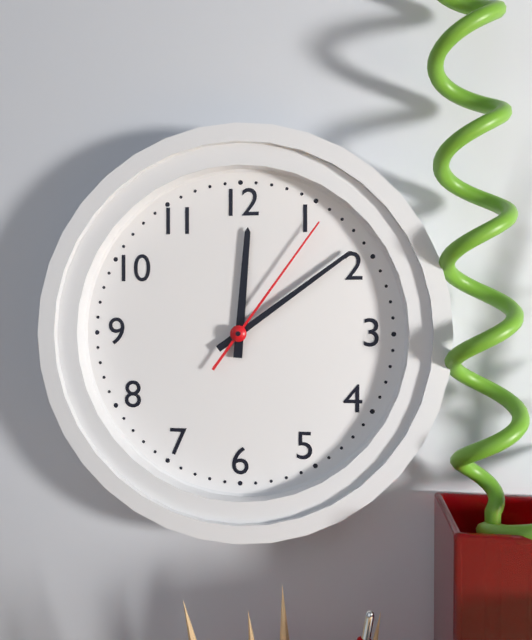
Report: 12.09.06
